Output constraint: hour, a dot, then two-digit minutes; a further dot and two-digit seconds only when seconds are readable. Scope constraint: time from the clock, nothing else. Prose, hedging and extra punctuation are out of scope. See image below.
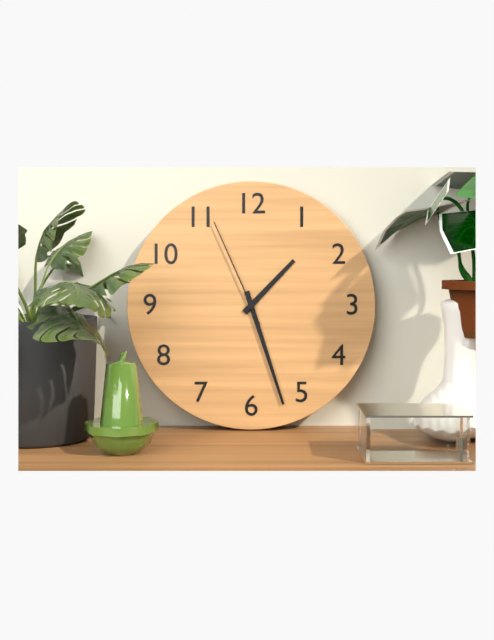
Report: 1.27.56
